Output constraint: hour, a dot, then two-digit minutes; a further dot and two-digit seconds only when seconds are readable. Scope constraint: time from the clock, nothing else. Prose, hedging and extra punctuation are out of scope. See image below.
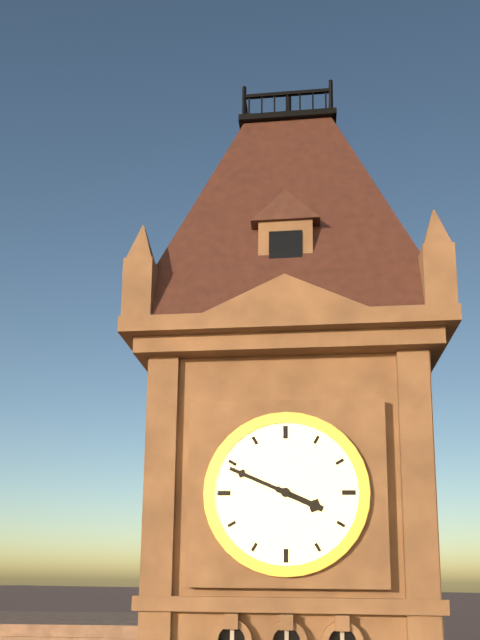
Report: 3.49
